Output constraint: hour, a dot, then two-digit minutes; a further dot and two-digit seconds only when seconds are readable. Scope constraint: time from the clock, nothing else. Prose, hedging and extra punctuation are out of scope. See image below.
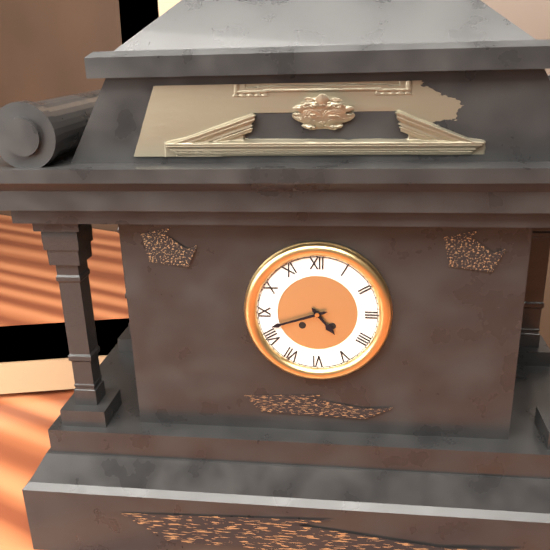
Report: 4.42
